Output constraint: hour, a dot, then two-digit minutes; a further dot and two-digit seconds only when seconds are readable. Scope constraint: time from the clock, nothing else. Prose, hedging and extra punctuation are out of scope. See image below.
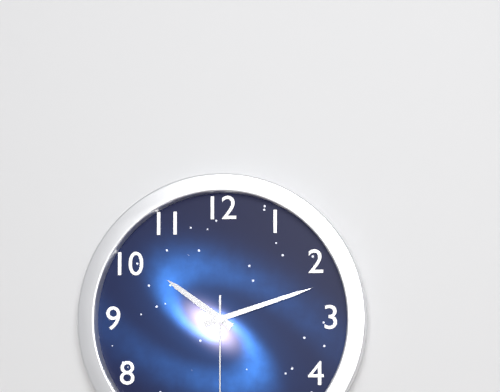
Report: 10.12
